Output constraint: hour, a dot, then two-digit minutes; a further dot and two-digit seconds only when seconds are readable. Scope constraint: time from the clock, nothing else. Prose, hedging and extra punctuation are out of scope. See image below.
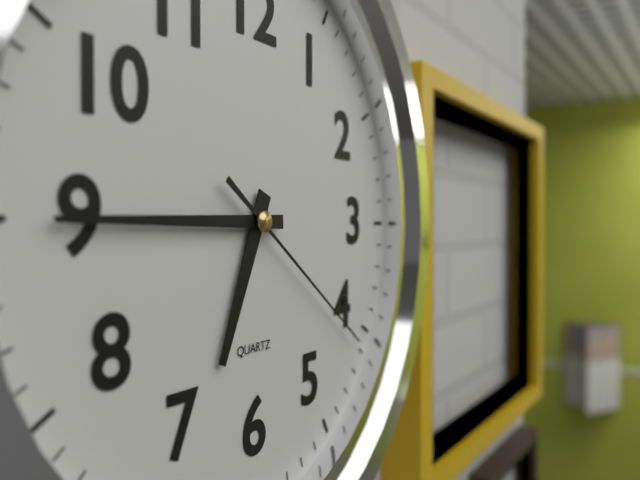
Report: 6.45.21
